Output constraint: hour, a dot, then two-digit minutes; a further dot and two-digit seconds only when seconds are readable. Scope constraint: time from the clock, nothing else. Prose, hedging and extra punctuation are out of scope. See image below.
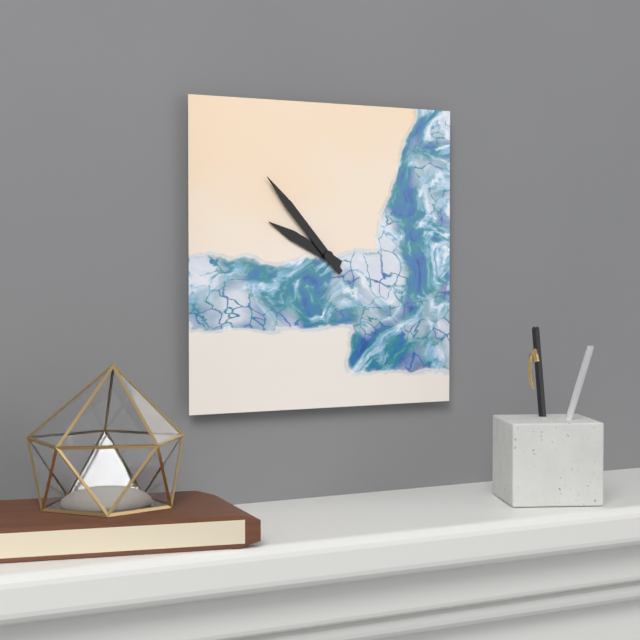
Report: 9.53
